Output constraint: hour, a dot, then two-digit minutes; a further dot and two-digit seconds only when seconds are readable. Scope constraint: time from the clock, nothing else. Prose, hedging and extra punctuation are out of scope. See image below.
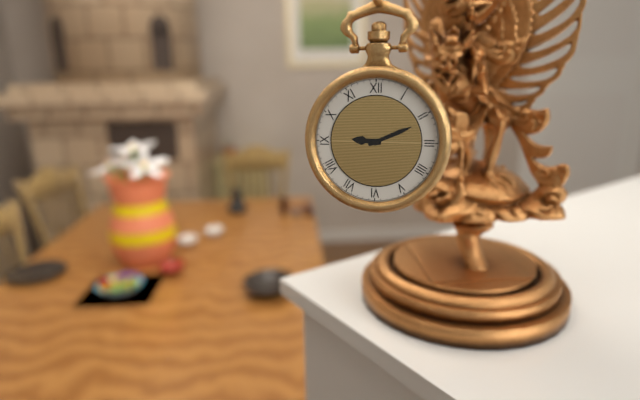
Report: 9.11
